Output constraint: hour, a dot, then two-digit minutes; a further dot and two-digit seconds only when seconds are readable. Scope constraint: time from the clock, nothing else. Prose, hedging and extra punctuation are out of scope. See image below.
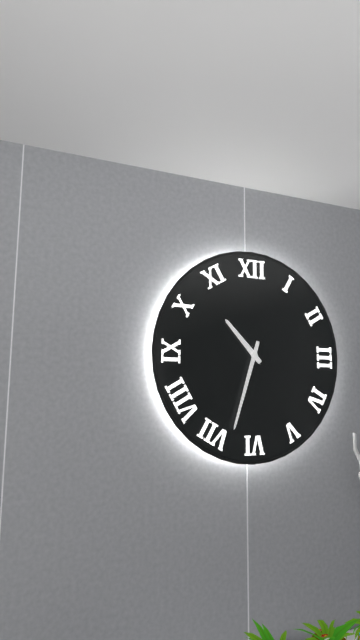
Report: 10.33
